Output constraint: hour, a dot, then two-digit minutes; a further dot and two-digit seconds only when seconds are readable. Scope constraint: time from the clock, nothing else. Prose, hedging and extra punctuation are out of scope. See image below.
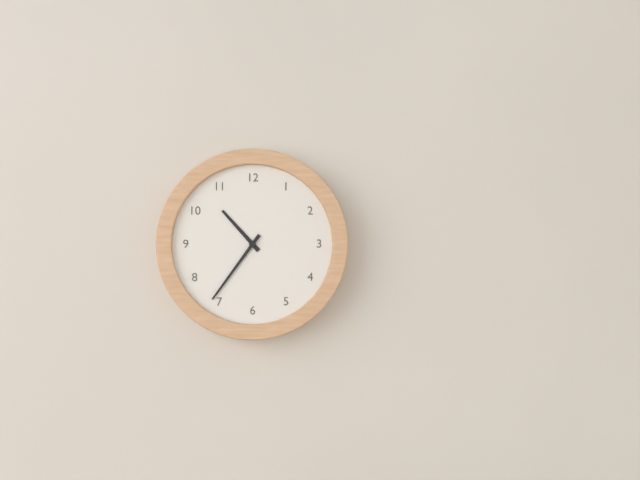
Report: 10.36
